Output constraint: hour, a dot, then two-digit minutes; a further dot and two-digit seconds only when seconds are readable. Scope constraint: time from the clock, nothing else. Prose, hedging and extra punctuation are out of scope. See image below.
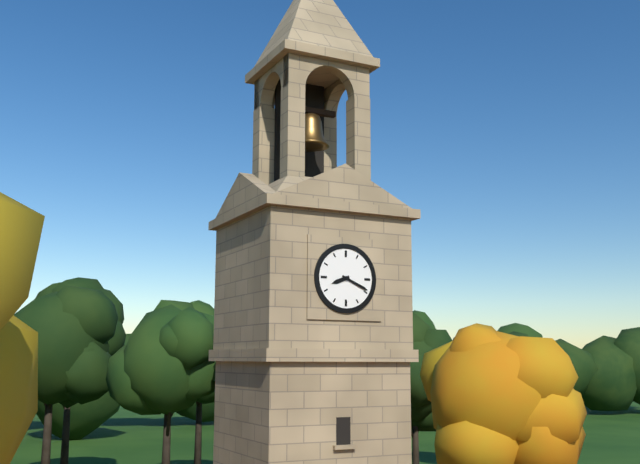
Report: 8.19
